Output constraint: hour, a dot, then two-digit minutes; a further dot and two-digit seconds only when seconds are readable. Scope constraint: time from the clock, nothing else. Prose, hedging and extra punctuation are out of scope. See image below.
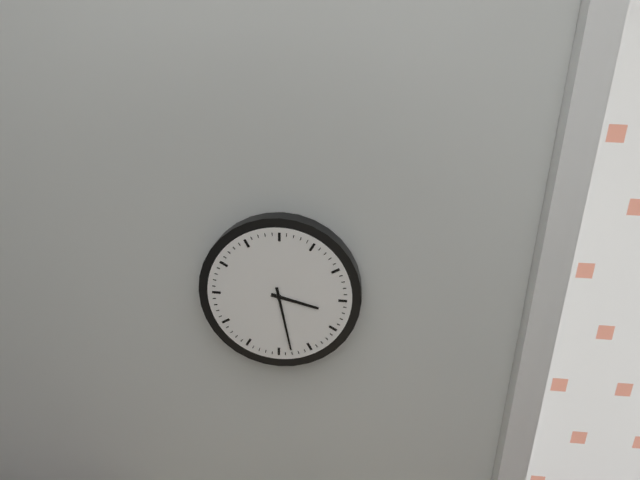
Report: 3.28
